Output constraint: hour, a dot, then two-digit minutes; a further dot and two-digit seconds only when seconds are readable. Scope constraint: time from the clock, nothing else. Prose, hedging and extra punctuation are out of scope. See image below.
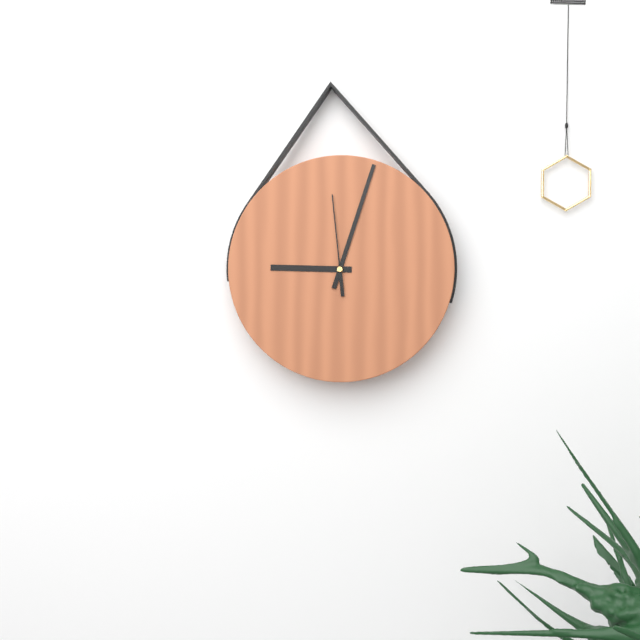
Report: 9.03.59
